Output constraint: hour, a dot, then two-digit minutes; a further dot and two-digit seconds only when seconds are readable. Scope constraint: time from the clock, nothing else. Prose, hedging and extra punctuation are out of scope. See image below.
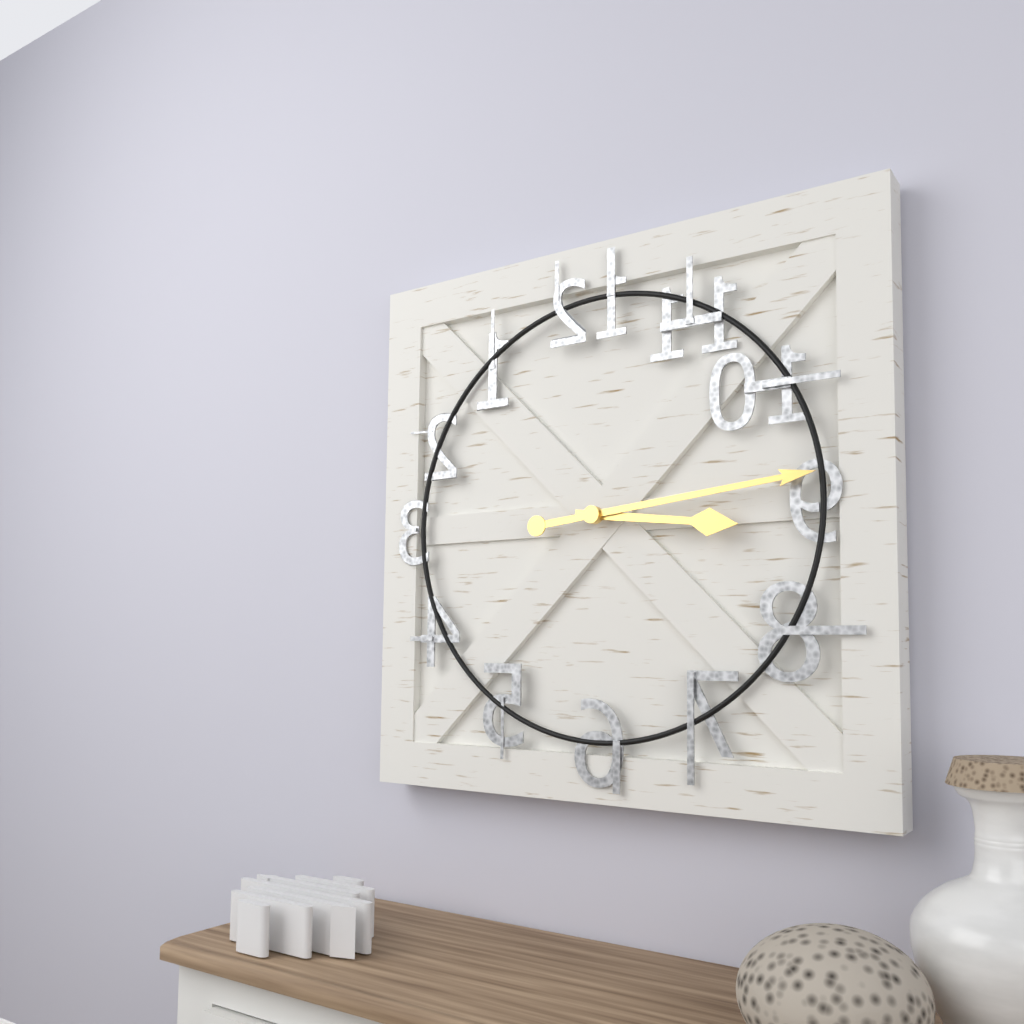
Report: 3.14
